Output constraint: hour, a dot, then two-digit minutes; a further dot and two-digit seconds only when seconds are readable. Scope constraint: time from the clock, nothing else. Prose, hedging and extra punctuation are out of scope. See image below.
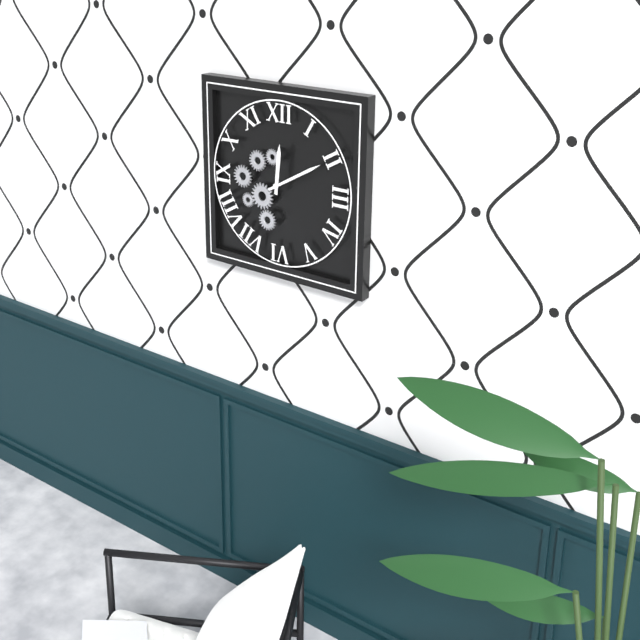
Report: 12.10
